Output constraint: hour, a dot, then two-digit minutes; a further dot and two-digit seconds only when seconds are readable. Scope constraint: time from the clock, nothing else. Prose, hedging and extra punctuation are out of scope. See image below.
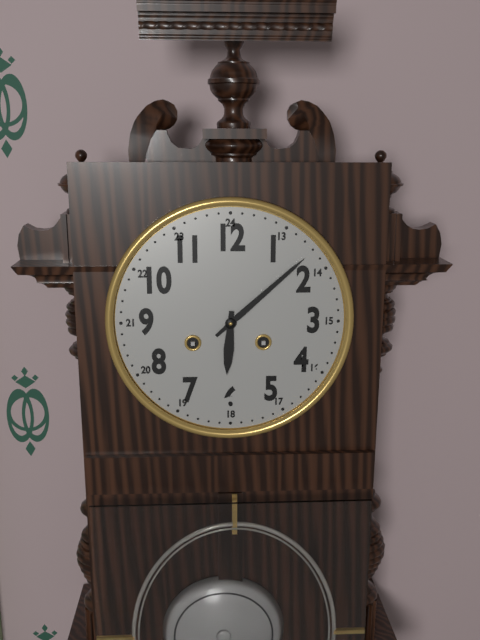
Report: 6.08
